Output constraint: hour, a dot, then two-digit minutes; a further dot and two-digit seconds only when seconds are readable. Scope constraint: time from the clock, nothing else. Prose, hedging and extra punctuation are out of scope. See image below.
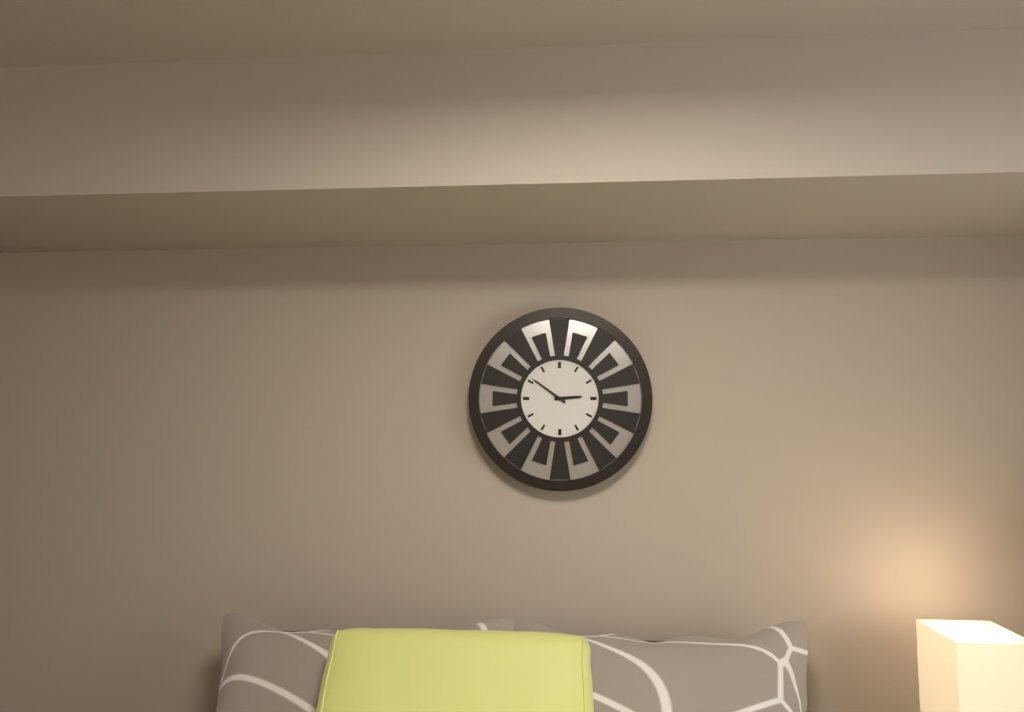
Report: 2.51
